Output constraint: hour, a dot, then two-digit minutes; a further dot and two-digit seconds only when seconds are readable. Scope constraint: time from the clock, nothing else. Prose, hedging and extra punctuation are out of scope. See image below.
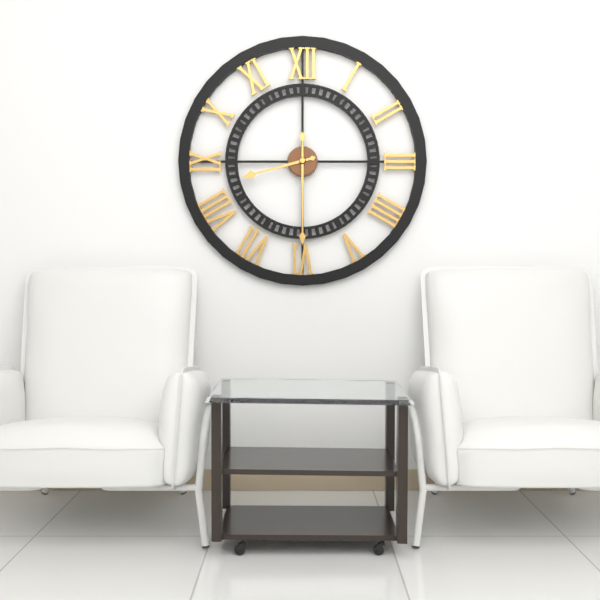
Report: 8.30
